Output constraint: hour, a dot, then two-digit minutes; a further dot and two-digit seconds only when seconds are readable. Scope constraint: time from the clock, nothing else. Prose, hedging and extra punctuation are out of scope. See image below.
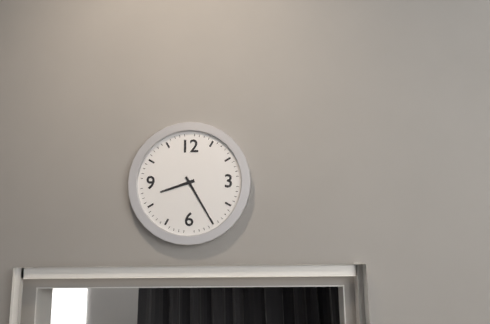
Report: 8.25
